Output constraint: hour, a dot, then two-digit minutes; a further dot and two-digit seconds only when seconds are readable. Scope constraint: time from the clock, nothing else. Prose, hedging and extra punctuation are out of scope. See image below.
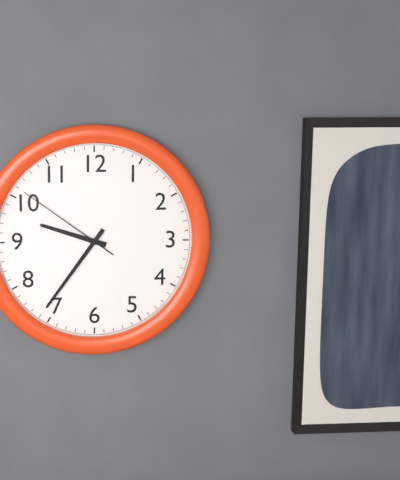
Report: 9.36.51
